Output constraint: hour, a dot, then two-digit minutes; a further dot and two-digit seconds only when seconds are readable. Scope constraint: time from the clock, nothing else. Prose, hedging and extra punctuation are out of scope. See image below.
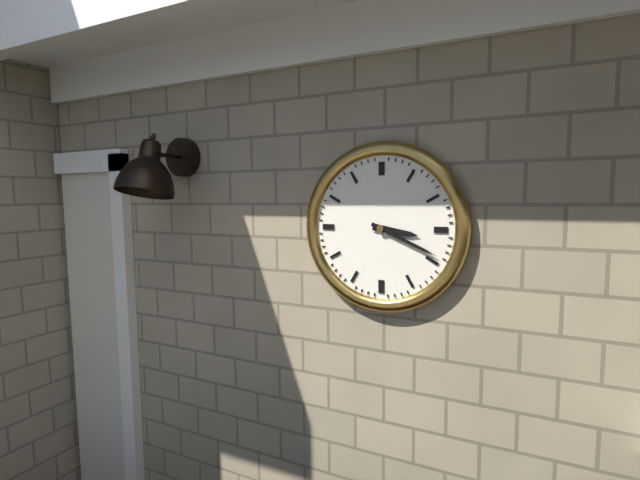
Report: 3.19
